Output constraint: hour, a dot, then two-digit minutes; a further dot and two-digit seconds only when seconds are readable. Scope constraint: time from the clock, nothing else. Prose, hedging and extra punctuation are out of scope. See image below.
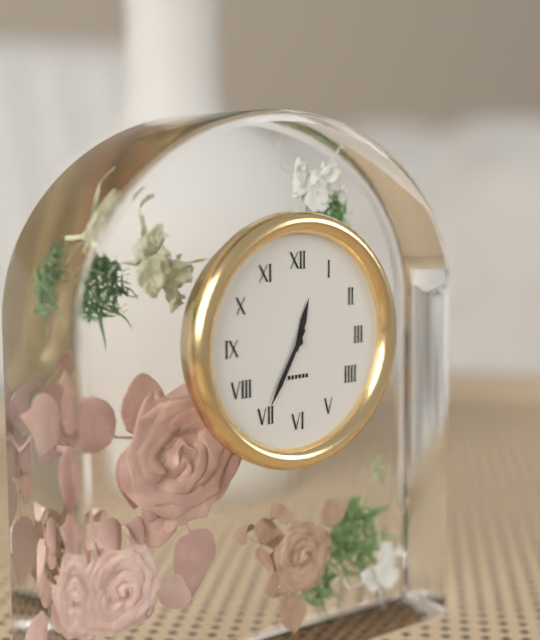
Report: 12.35
